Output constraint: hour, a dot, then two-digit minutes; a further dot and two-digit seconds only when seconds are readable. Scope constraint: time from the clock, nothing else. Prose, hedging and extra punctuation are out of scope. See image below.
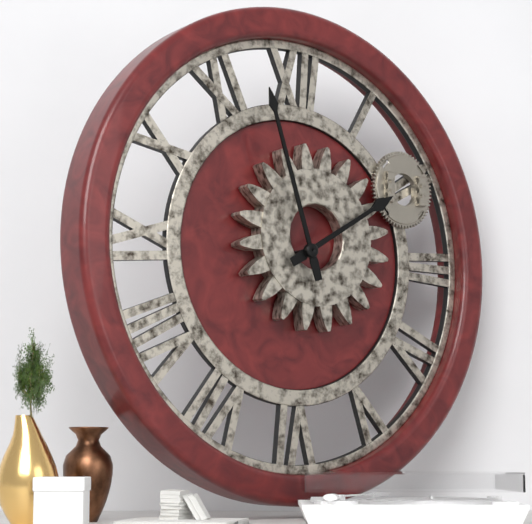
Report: 1.57
